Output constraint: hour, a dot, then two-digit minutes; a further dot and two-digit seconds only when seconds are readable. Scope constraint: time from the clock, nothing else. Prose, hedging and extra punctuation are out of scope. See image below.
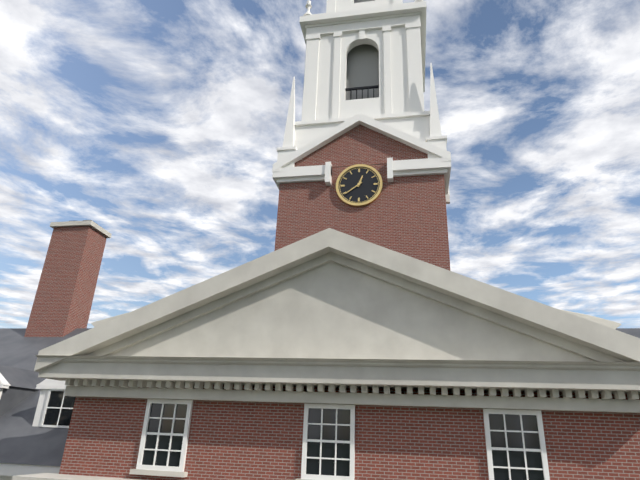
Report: 12.39
